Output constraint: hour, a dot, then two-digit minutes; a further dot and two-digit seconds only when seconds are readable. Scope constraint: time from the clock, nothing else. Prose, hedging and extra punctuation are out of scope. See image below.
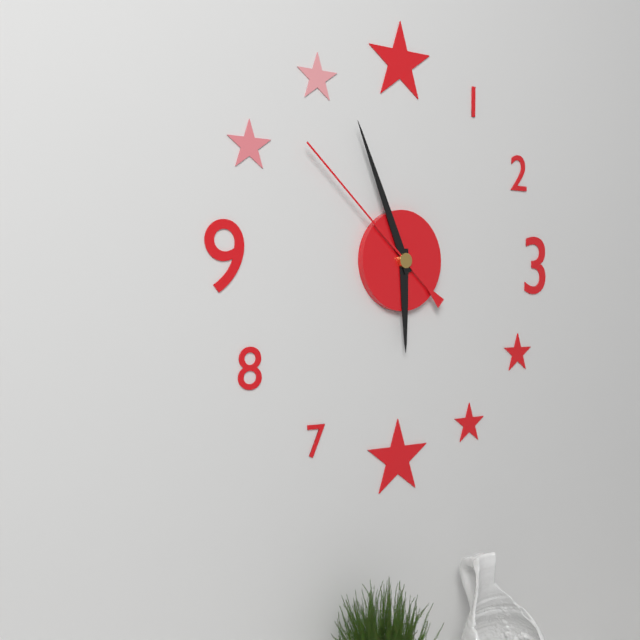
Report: 5.56.52
